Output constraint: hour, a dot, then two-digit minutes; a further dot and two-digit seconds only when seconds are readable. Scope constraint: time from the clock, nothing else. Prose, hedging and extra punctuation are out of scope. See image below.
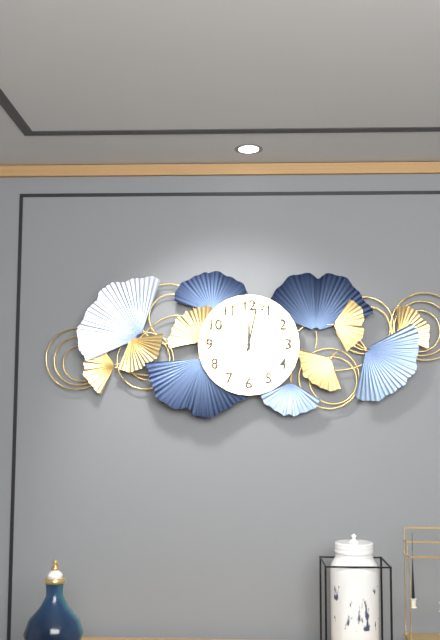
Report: 12.02
